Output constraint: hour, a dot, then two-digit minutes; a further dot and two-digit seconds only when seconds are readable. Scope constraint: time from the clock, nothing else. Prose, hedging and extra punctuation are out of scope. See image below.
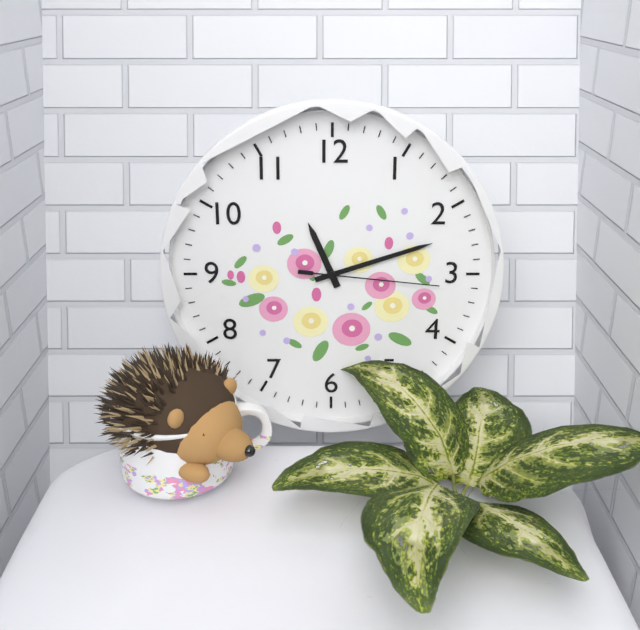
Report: 11.12.16
